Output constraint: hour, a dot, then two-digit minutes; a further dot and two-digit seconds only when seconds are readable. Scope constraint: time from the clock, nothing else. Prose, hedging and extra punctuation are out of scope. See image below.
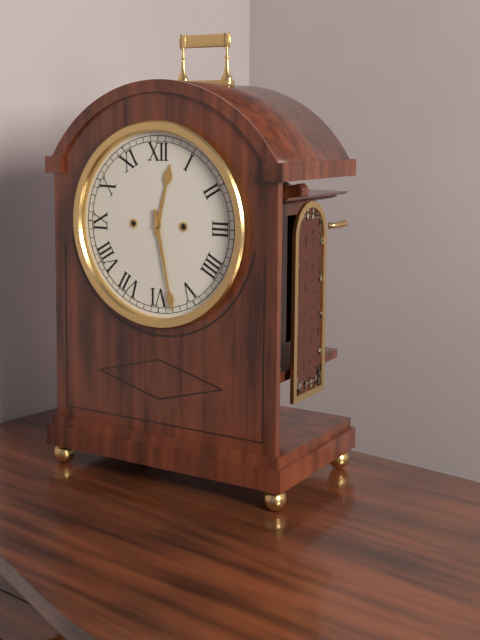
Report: 12.28
